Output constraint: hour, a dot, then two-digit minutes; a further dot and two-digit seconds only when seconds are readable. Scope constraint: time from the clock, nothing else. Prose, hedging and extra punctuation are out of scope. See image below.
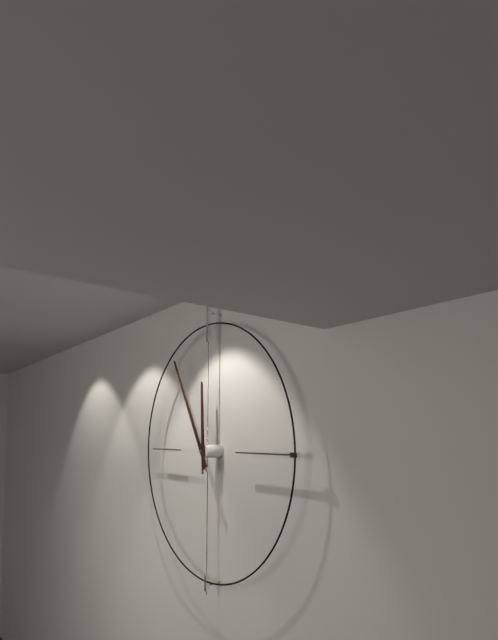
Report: 11.55
